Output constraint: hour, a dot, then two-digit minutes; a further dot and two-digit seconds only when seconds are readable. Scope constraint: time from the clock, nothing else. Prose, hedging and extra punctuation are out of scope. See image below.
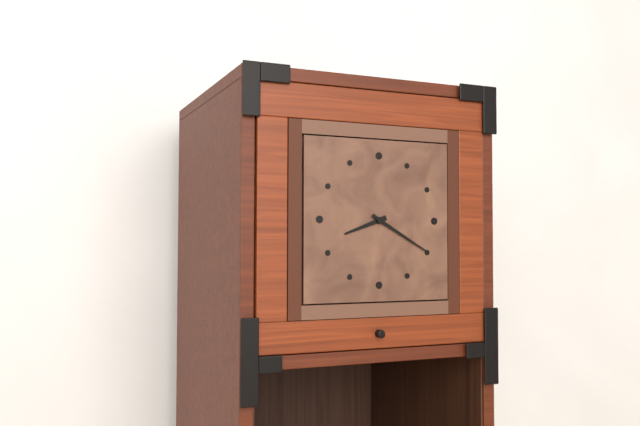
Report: 8.20
